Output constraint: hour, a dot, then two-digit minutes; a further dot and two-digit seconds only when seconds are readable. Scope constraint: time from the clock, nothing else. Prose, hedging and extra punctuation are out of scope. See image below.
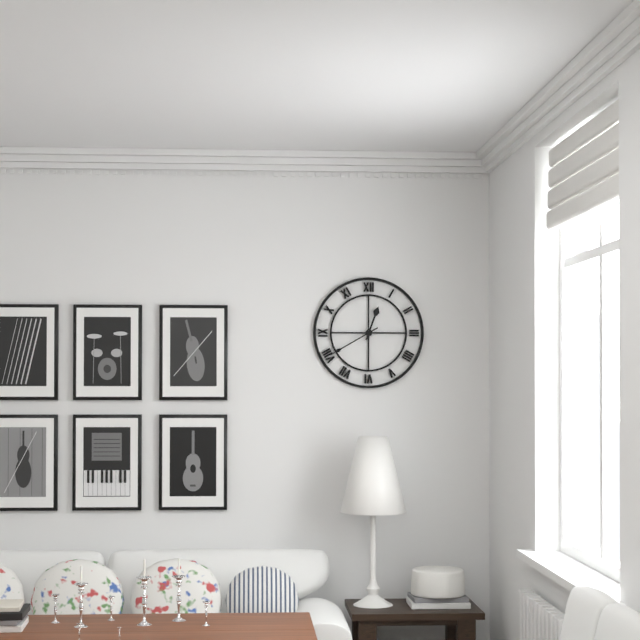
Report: 12.40
